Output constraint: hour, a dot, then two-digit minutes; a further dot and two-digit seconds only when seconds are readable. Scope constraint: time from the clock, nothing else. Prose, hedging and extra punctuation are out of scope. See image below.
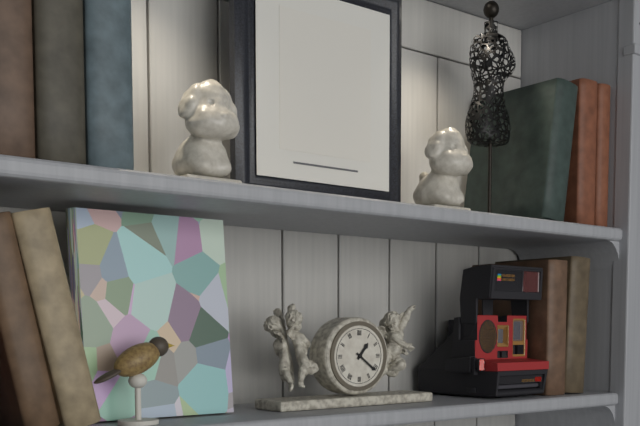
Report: 1.21
